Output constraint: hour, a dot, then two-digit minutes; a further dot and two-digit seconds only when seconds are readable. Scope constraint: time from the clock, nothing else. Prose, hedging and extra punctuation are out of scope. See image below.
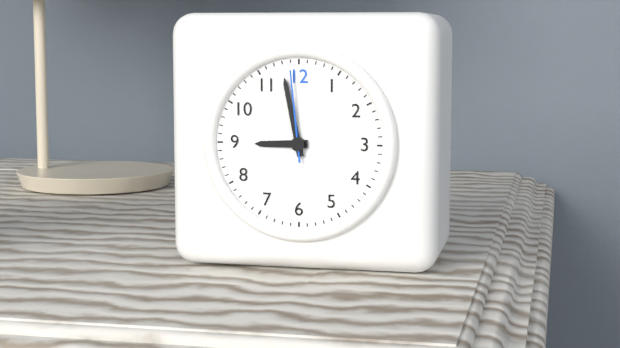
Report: 8.58.59
